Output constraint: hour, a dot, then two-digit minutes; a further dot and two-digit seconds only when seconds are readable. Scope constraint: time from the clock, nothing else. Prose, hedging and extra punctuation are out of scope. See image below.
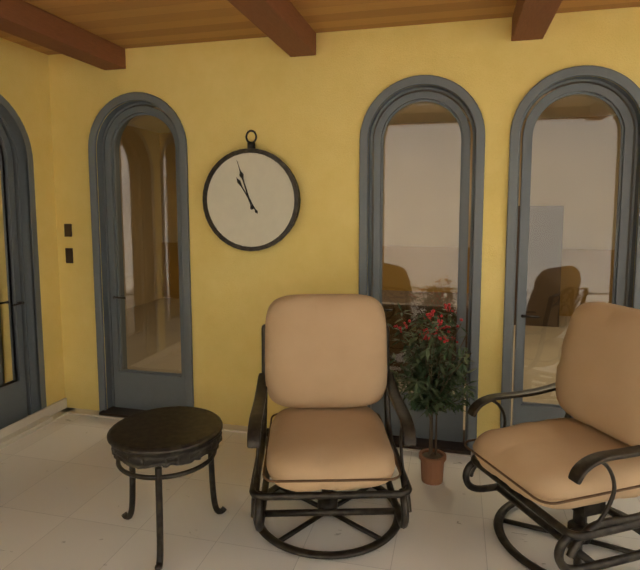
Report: 10.57
